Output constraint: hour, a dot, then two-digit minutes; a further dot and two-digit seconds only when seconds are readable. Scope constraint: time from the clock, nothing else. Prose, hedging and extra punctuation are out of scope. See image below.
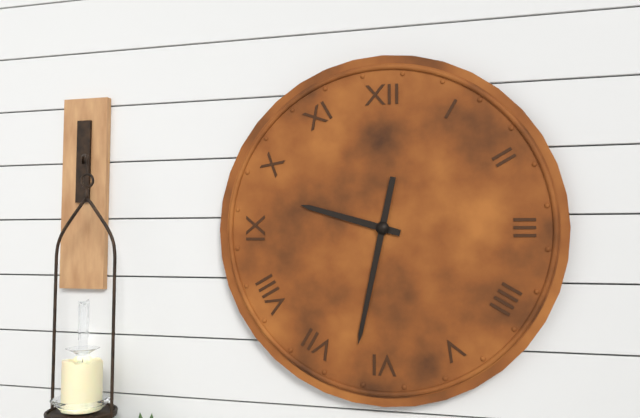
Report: 9.32
